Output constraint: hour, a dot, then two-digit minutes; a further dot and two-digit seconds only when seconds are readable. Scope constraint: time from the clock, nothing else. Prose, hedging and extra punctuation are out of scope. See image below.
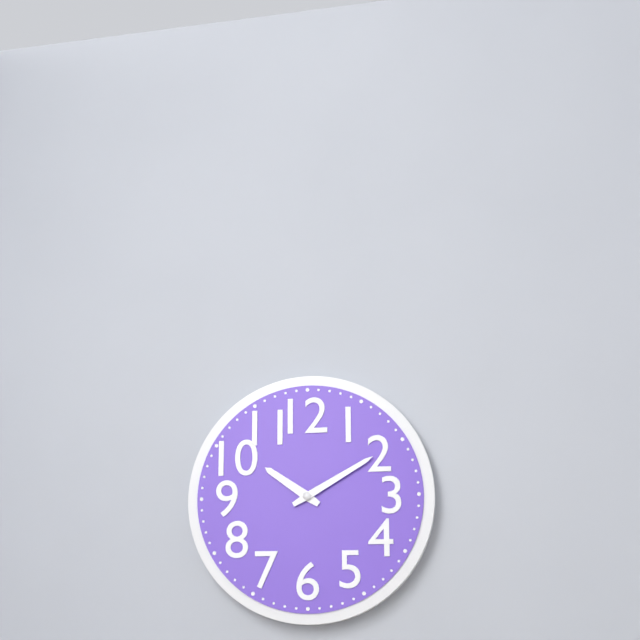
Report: 10.10
